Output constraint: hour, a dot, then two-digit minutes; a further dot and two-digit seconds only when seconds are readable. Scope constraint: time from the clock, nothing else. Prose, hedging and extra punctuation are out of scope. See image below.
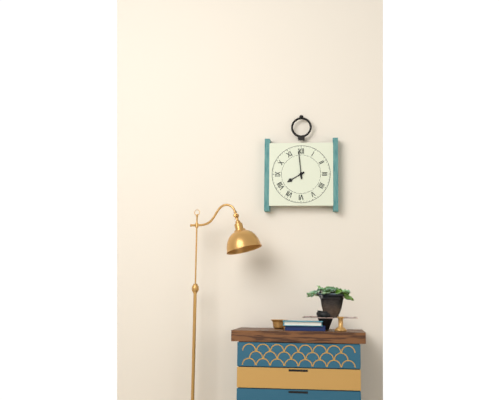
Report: 7.59
